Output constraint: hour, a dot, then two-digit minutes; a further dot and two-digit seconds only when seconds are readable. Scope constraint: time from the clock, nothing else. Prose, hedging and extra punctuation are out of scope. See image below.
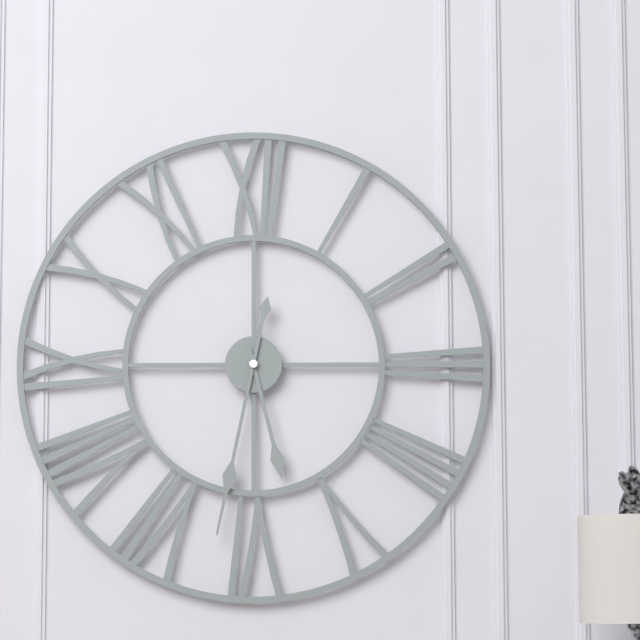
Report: 5.32
